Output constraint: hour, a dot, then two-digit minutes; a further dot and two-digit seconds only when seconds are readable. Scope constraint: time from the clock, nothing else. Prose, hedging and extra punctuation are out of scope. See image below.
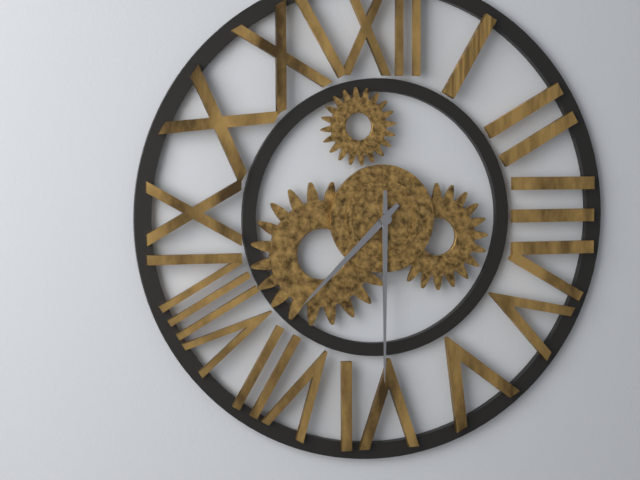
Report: 7.30
